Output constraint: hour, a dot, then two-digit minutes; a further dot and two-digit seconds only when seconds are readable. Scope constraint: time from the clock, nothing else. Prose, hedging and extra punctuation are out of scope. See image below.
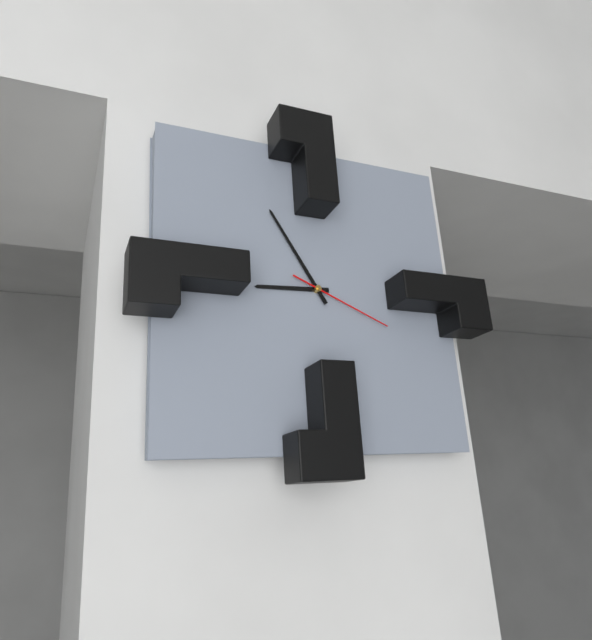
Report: 8.55.19
